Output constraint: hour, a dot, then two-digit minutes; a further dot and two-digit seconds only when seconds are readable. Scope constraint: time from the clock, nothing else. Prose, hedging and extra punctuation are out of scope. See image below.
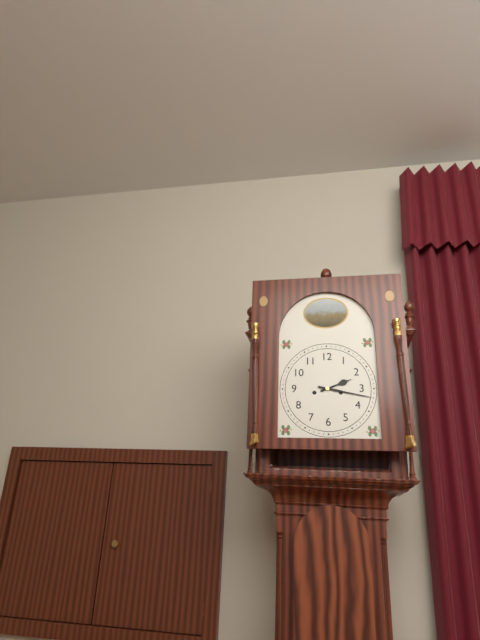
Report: 2.17
